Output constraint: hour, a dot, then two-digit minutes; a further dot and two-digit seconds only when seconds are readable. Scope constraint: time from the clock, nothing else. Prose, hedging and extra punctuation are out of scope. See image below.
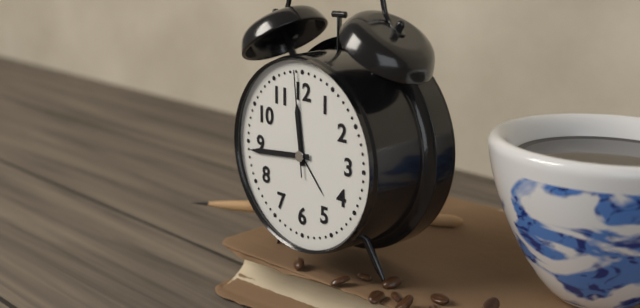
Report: 11.44.59
